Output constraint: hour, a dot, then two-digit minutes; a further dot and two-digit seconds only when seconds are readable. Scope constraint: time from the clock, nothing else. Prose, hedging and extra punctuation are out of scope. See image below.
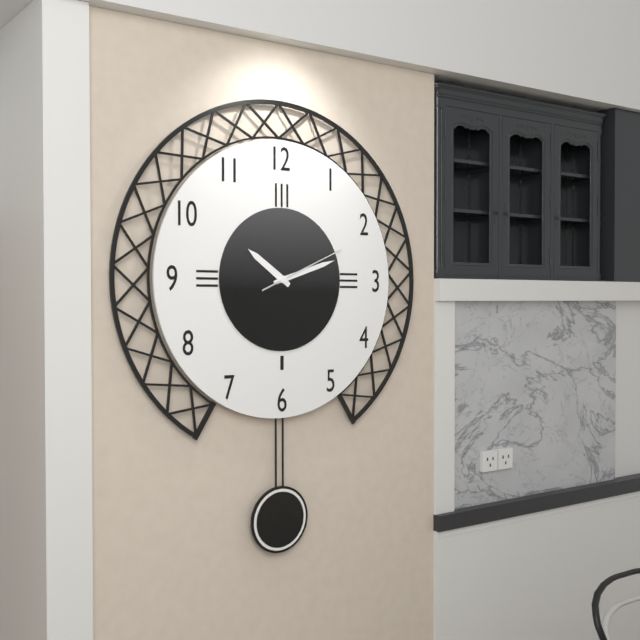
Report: 10.12.11
